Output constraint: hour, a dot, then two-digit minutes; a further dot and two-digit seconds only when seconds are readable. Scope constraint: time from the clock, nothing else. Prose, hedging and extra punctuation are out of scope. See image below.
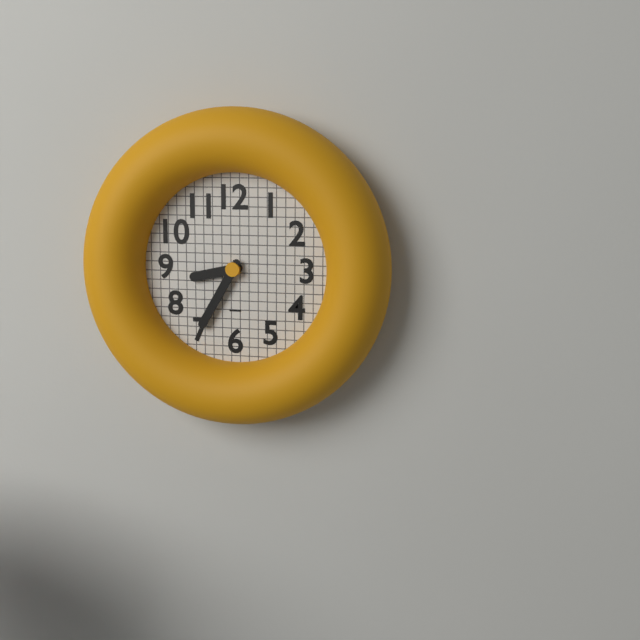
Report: 8.35
